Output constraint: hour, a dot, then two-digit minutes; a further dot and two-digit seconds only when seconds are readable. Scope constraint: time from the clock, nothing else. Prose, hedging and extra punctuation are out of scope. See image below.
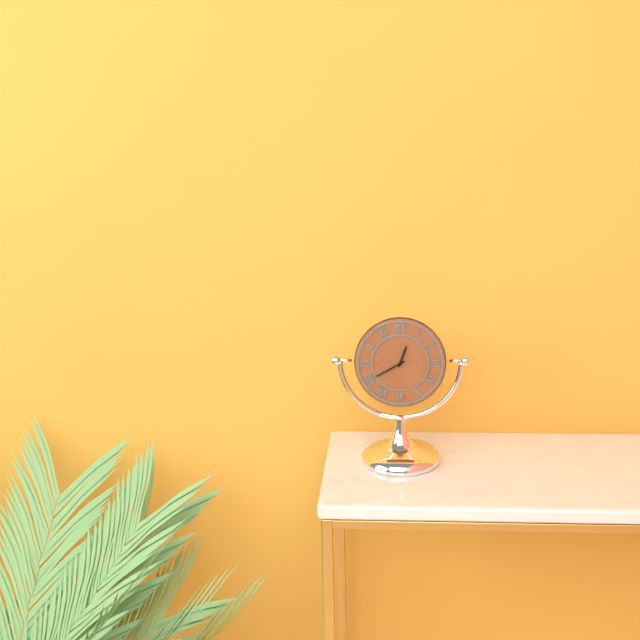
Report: 12.40
